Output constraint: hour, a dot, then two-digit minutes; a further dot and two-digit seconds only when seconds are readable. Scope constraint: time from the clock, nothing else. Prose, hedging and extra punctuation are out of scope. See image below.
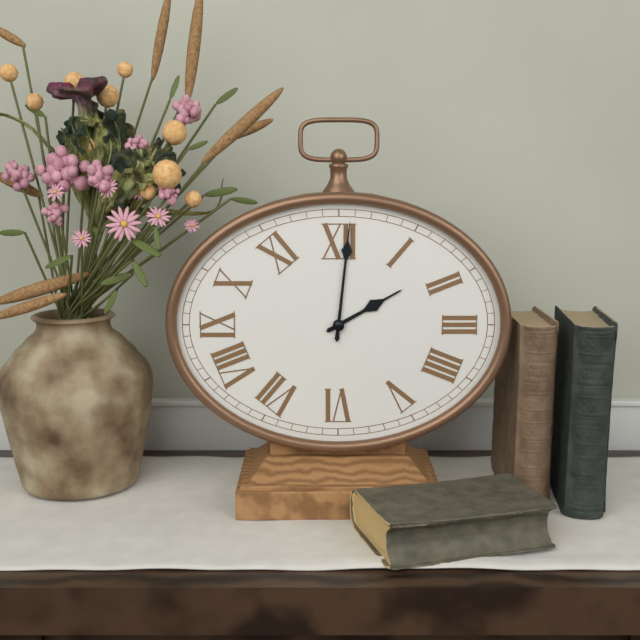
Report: 2.01
